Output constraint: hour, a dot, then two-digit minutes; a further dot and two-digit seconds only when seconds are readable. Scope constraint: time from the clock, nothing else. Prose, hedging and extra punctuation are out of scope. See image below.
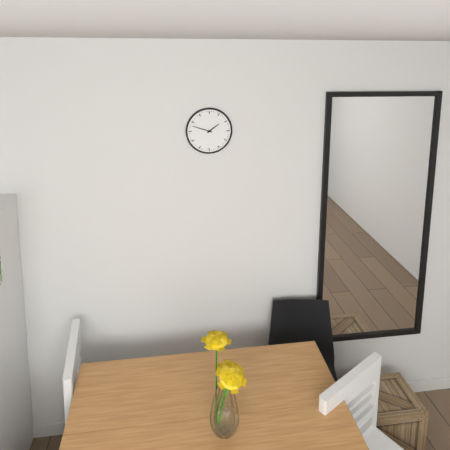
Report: 1.48
